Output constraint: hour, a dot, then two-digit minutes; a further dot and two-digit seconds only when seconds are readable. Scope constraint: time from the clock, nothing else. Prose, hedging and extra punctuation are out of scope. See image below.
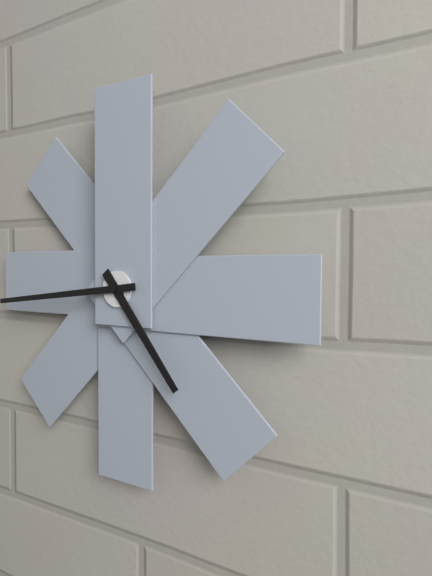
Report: 4.44
